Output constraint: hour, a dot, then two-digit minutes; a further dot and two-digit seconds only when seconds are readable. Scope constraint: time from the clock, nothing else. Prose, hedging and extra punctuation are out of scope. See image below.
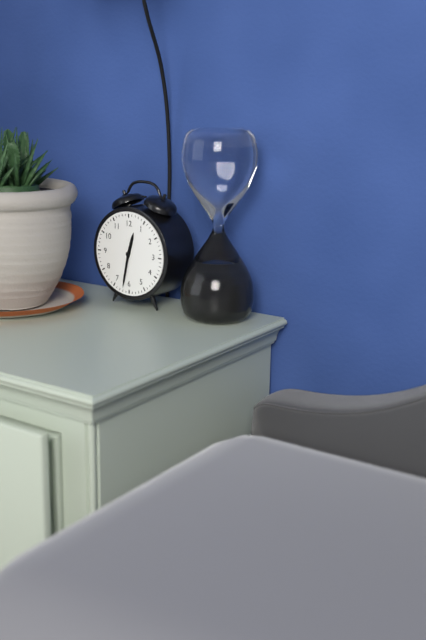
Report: 12.32
